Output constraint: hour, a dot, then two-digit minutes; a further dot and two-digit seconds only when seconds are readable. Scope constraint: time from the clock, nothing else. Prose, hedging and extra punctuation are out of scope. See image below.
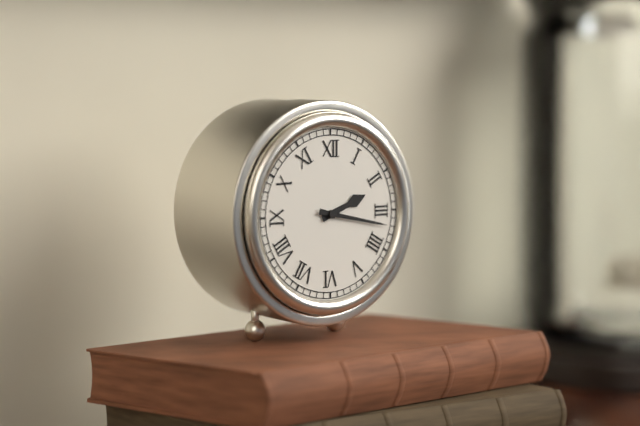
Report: 2.17
